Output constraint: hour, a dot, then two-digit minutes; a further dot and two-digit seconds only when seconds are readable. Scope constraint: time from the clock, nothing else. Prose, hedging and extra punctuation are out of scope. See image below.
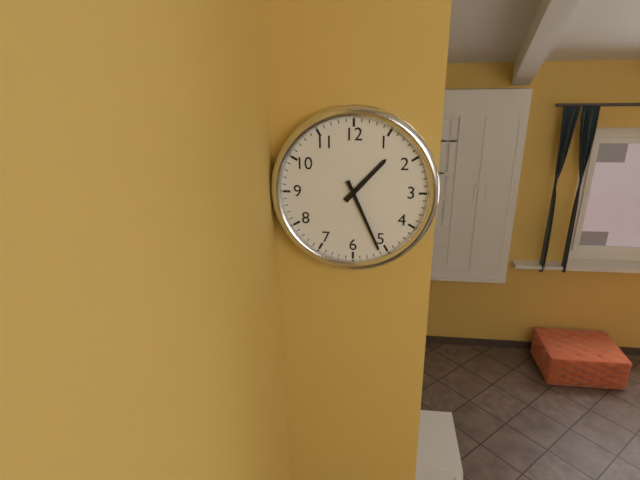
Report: 1.26
